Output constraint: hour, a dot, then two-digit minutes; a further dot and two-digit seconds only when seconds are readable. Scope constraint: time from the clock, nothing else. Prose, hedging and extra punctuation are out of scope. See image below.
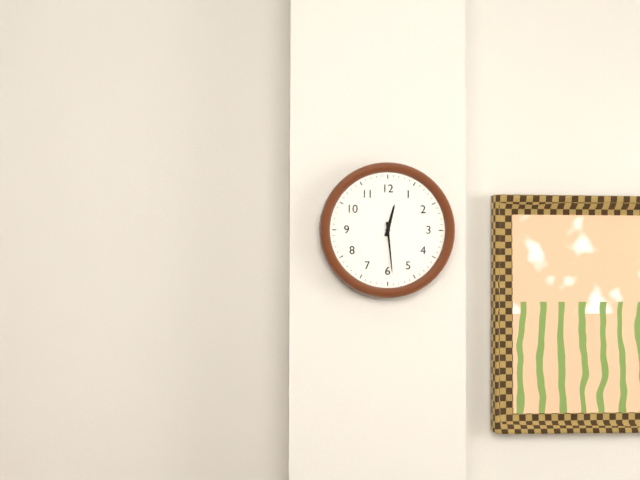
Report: 12.29
